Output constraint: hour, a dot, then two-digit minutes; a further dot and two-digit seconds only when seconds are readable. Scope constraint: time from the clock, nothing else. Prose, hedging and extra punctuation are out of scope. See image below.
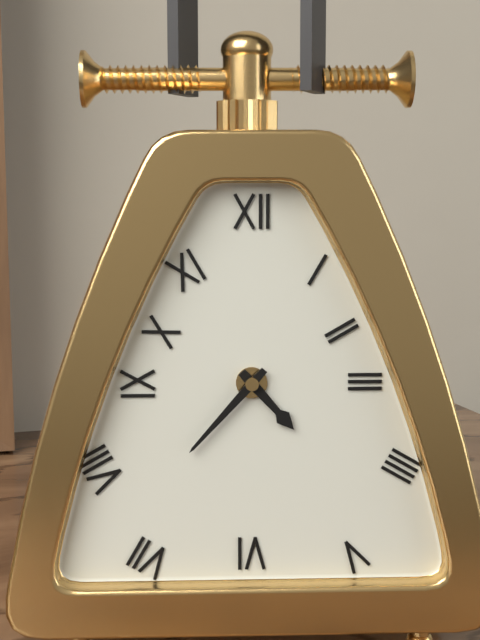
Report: 4.37
